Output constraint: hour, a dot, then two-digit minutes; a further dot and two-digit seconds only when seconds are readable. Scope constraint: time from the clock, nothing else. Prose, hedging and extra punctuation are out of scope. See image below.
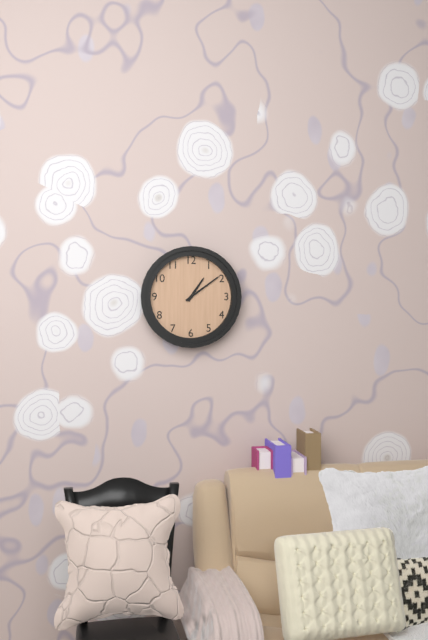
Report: 1.09
